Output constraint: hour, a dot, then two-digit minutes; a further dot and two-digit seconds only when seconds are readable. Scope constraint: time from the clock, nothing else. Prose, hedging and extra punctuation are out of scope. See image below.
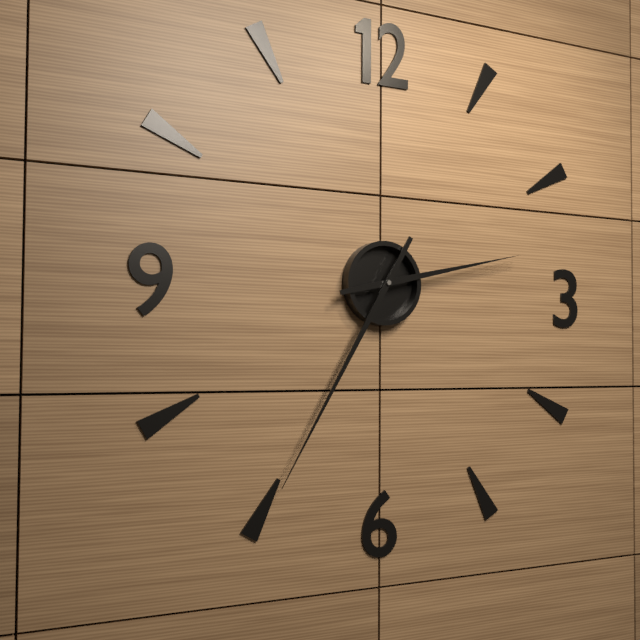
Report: 2.35
